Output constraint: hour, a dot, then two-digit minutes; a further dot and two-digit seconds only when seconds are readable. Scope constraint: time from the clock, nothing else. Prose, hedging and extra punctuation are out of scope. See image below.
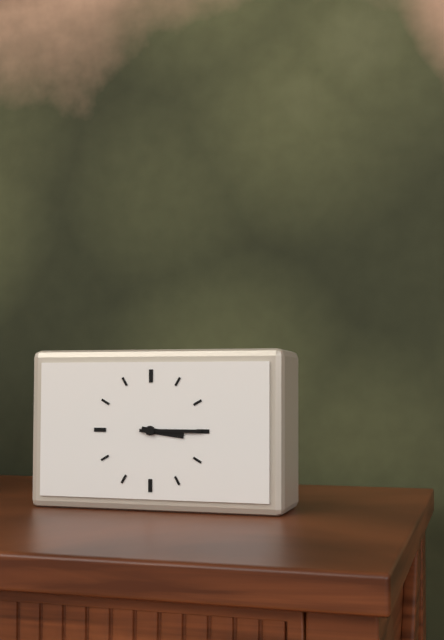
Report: 3.15
